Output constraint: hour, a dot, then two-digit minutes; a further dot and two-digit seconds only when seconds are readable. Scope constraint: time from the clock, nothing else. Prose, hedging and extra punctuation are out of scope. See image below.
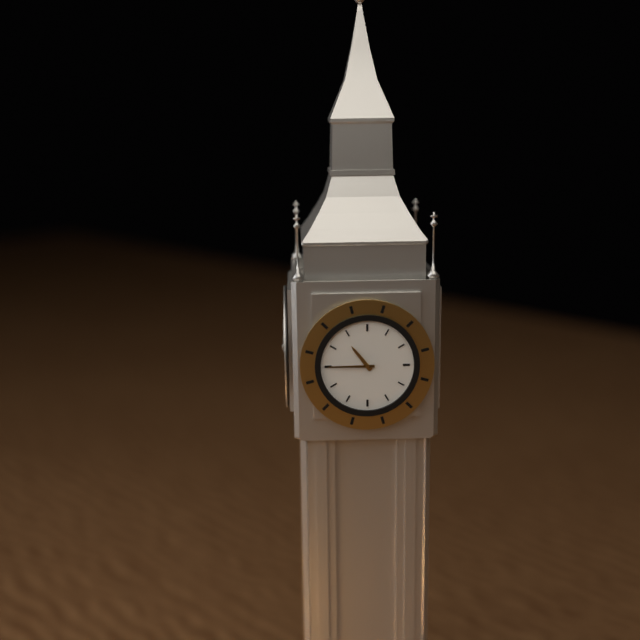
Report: 10.45
